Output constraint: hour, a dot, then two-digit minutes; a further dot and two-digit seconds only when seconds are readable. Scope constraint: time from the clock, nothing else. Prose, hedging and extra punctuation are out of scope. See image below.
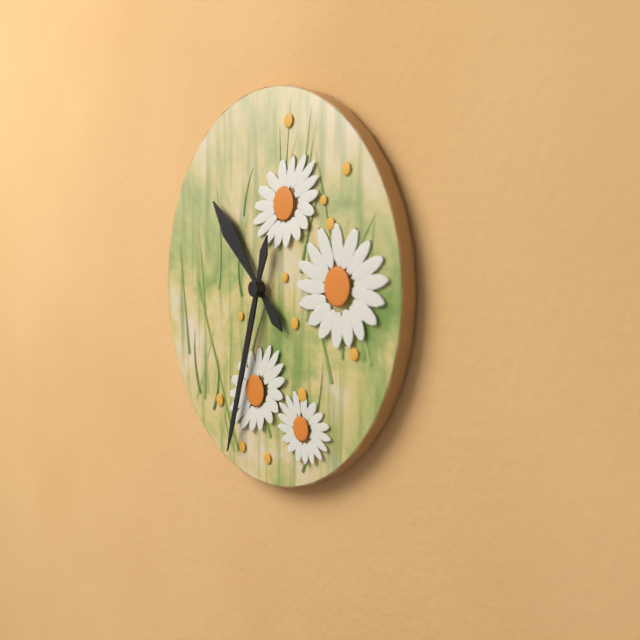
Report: 10.33
